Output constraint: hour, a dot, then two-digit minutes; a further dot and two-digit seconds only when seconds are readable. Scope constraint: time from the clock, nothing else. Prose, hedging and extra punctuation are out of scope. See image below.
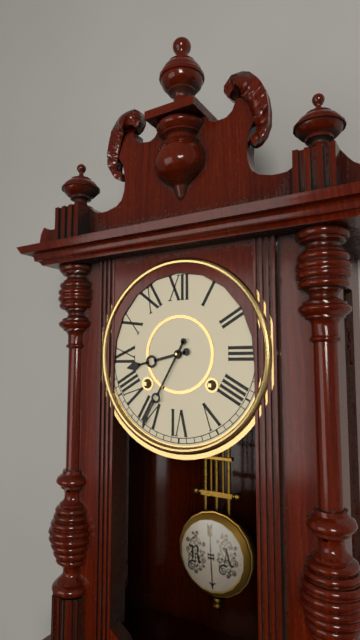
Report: 8.35
